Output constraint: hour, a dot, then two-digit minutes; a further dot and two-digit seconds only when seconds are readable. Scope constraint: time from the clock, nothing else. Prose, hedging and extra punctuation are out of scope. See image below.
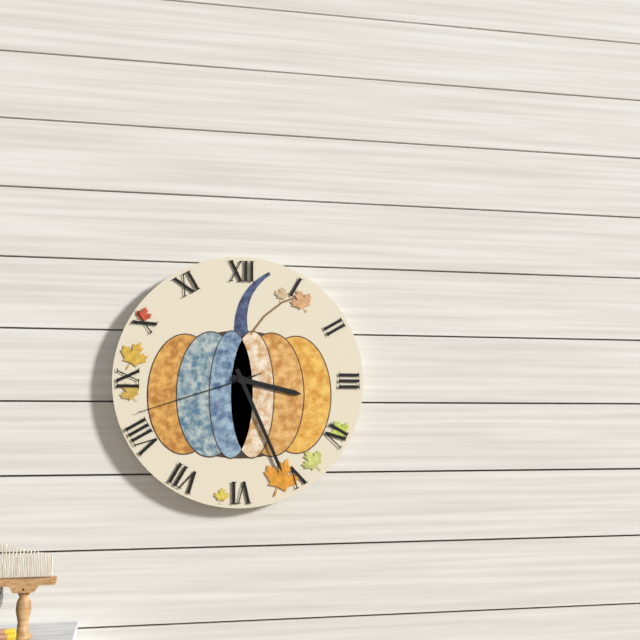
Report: 3.26.42
